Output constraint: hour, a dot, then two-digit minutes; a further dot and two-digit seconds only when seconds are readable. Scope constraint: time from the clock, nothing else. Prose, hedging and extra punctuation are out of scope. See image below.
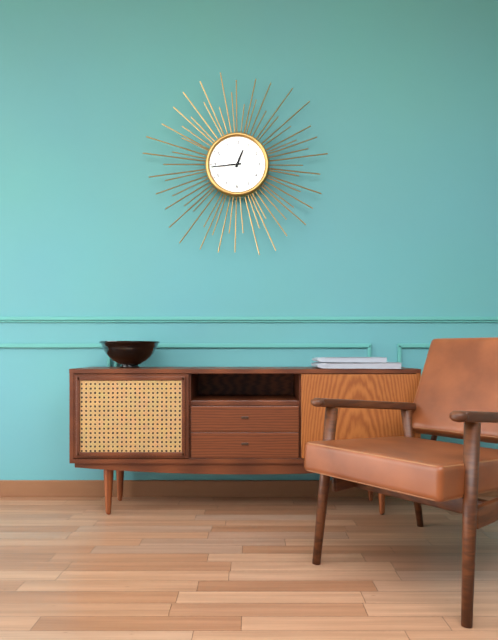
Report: 12.44
